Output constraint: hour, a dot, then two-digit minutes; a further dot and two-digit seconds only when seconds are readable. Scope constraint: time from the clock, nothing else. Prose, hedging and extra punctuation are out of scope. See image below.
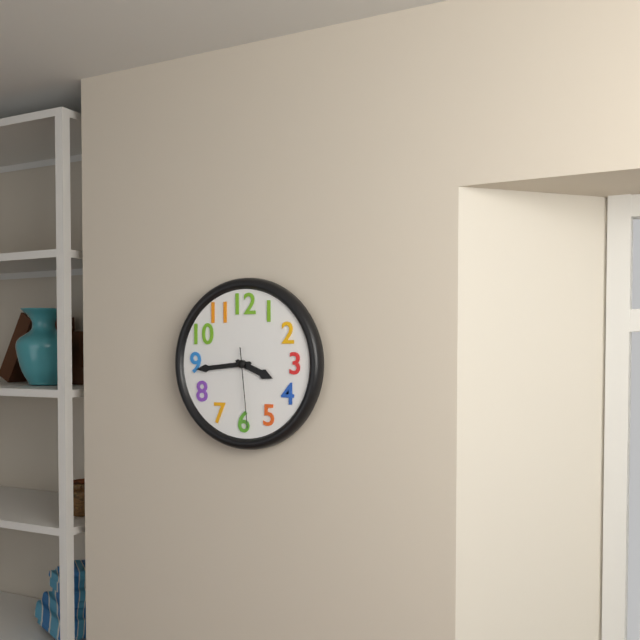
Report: 3.44.29
